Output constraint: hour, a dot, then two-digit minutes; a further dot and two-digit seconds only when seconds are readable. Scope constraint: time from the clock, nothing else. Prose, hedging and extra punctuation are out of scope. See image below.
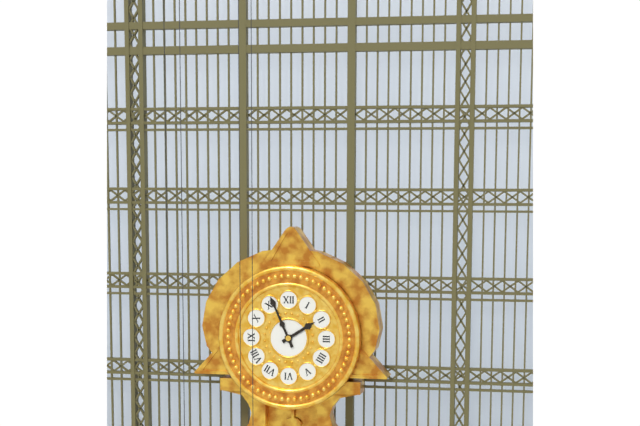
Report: 1.56
